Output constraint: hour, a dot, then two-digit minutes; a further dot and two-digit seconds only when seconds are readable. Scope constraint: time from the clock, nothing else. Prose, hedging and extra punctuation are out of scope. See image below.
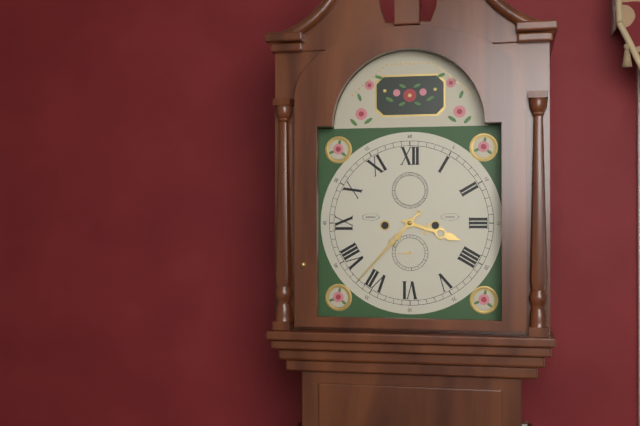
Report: 3.37
